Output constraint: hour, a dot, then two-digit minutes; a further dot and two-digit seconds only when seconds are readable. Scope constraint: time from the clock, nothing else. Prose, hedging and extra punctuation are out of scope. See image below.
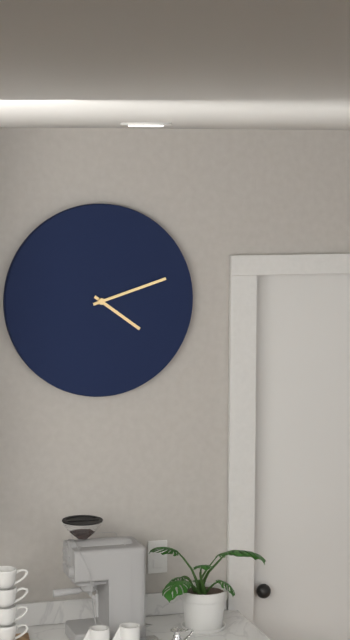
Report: 4.12
